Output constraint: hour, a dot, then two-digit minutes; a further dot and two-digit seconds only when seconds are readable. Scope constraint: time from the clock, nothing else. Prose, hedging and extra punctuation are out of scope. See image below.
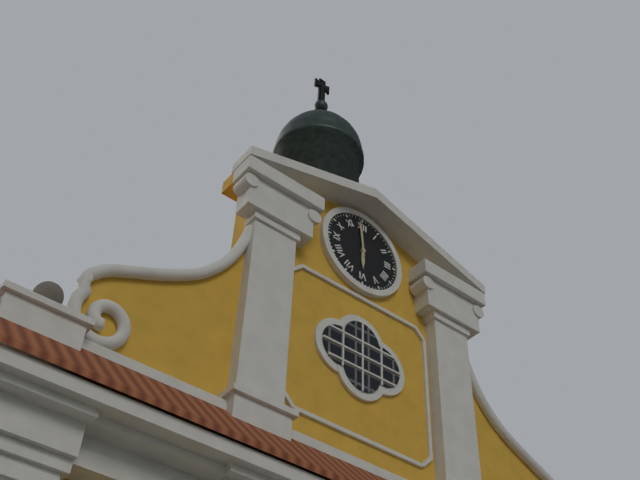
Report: 5.59
